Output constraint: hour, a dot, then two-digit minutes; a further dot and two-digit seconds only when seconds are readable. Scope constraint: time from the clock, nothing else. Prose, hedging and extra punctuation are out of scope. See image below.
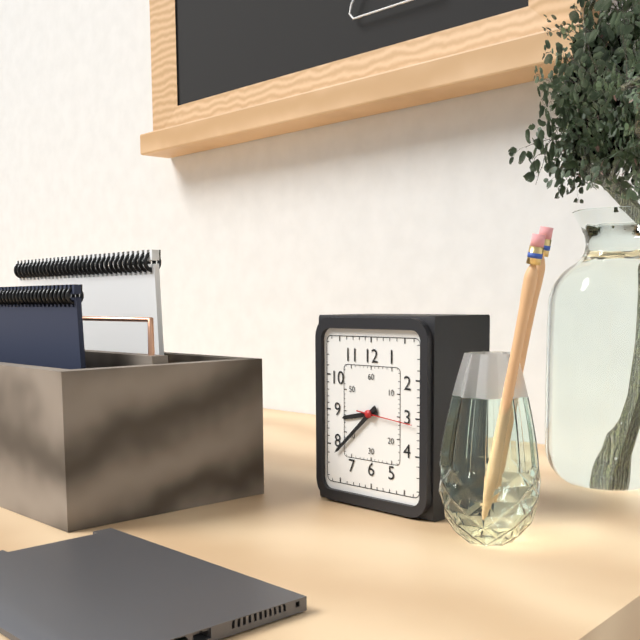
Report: 8.38.16
